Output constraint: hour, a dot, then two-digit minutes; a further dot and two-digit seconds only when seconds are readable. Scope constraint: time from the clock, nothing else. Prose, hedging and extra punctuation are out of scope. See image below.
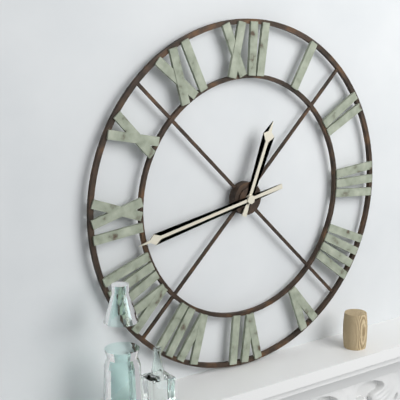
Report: 12.43
